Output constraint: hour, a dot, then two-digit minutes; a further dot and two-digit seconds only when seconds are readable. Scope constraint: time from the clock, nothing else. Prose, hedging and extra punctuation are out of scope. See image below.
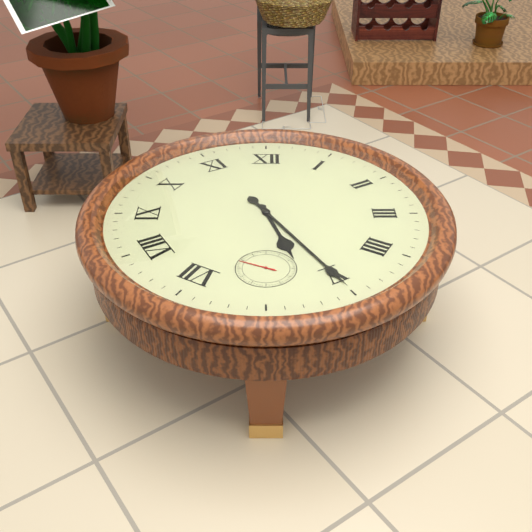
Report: 5.25
